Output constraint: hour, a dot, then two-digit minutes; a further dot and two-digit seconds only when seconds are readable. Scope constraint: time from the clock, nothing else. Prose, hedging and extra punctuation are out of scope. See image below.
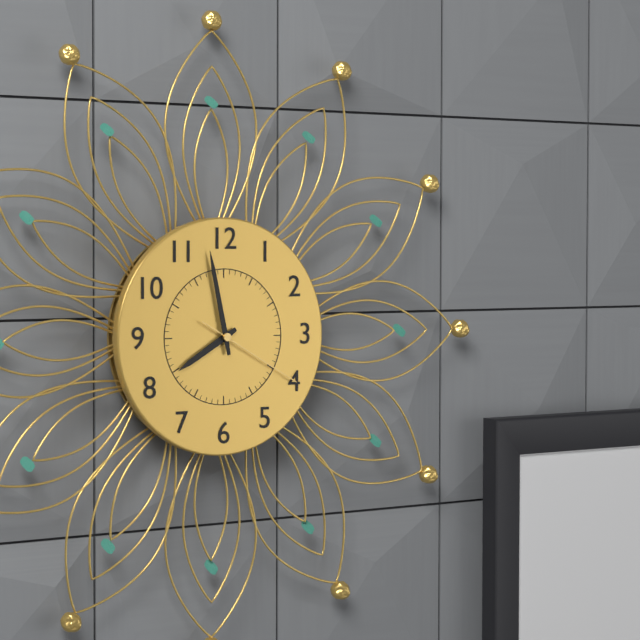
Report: 7.58.20
